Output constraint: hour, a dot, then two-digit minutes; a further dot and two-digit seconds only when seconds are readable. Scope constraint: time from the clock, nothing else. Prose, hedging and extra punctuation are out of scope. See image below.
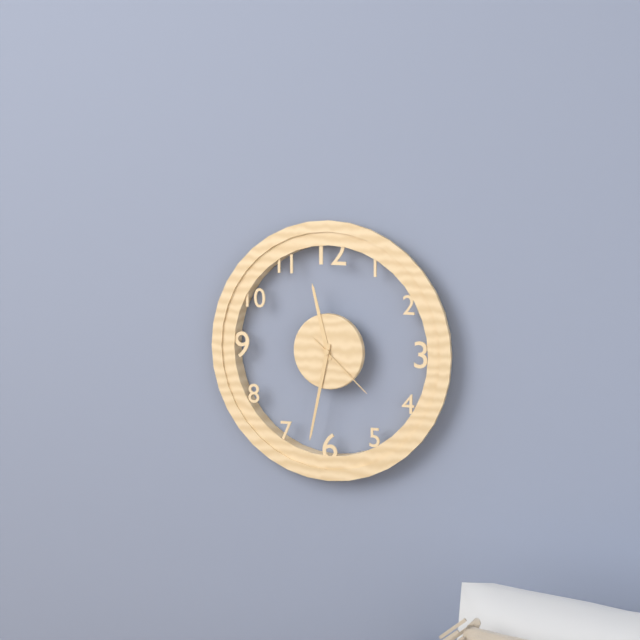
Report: 11.32.22
